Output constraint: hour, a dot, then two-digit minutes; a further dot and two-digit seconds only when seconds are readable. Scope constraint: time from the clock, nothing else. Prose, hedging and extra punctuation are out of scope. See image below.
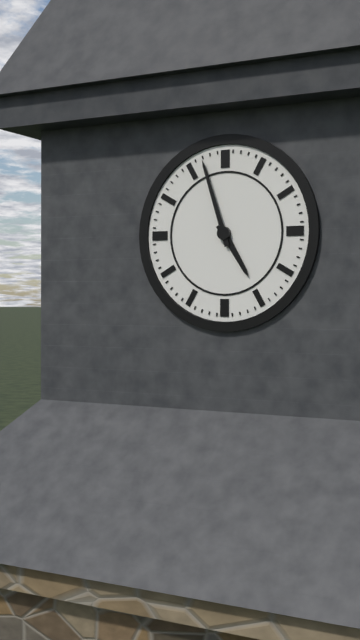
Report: 4.57
